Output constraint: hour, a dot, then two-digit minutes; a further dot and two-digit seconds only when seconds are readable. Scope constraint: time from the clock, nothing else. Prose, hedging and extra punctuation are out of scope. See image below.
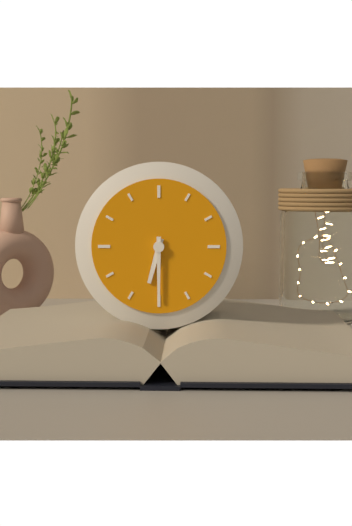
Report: 6.30
